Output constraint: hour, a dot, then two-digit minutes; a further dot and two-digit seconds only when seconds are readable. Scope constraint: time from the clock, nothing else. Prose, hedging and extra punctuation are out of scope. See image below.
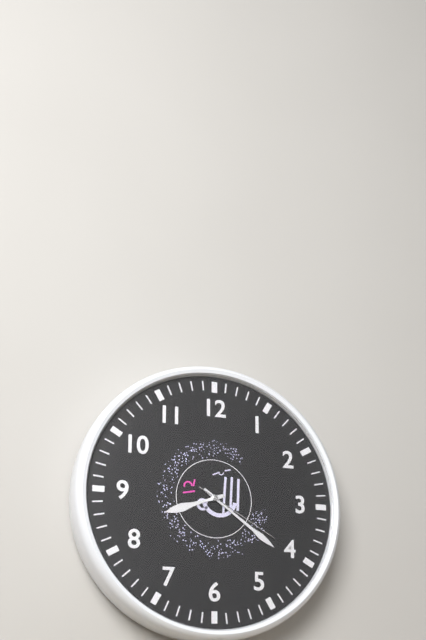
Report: 8.21.20
